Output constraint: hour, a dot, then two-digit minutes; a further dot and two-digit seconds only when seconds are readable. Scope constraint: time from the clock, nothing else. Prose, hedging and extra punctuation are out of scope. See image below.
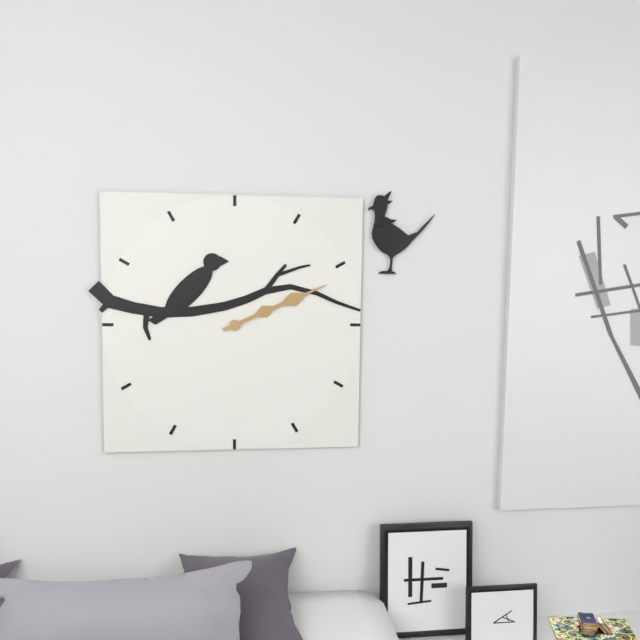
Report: 2.11
